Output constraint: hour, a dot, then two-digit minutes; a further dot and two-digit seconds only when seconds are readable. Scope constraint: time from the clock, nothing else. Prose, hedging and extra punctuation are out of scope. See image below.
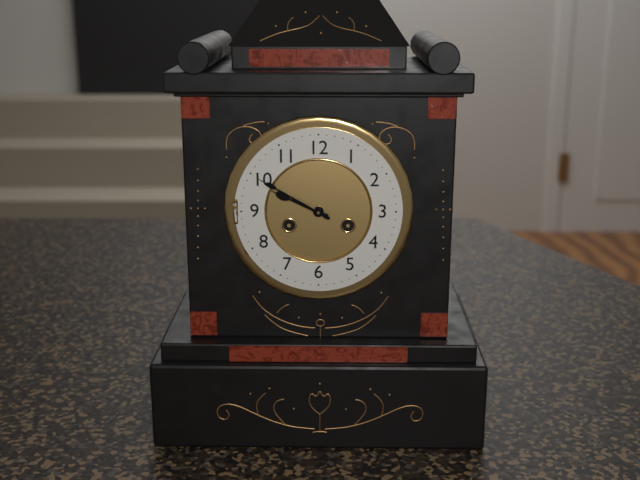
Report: 9.50
